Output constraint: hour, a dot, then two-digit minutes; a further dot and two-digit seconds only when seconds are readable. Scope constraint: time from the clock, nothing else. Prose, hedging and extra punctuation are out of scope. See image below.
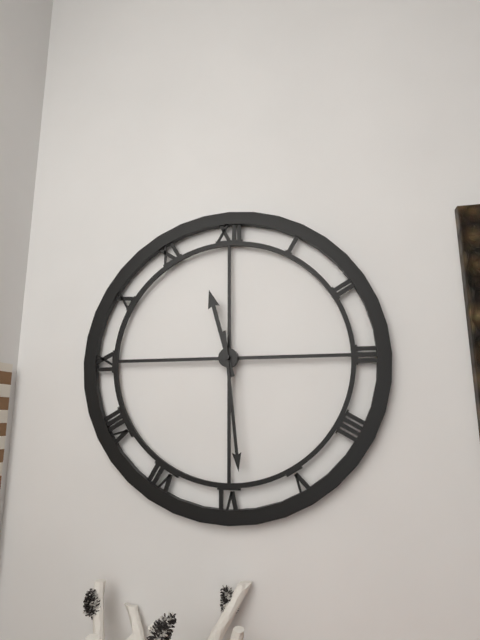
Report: 11.29
